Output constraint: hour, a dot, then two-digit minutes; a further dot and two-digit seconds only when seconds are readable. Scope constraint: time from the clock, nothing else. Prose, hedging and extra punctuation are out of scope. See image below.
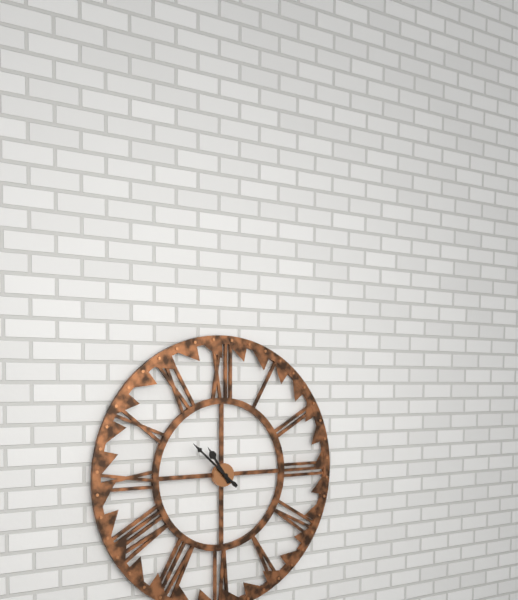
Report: 10.52
